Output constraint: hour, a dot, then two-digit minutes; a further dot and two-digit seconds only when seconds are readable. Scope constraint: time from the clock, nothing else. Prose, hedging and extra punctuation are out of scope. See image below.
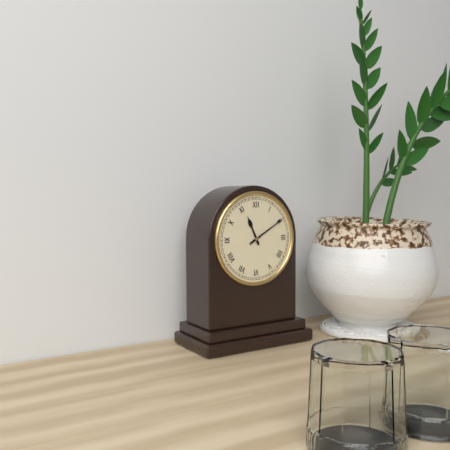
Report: 11.10
